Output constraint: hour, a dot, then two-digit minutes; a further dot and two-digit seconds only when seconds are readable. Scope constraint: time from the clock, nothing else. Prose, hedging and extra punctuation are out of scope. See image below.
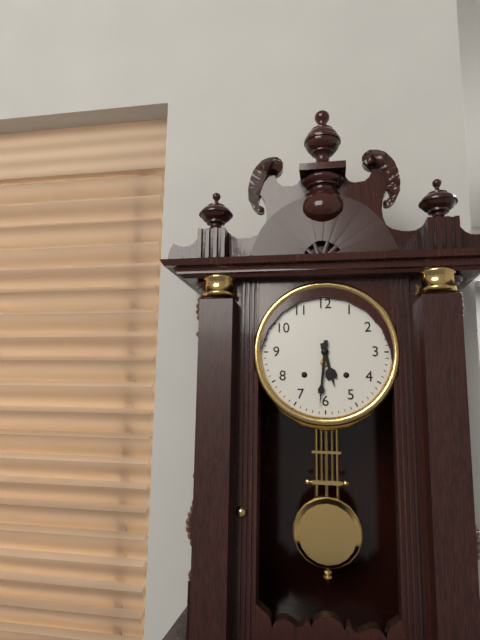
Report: 5.31
